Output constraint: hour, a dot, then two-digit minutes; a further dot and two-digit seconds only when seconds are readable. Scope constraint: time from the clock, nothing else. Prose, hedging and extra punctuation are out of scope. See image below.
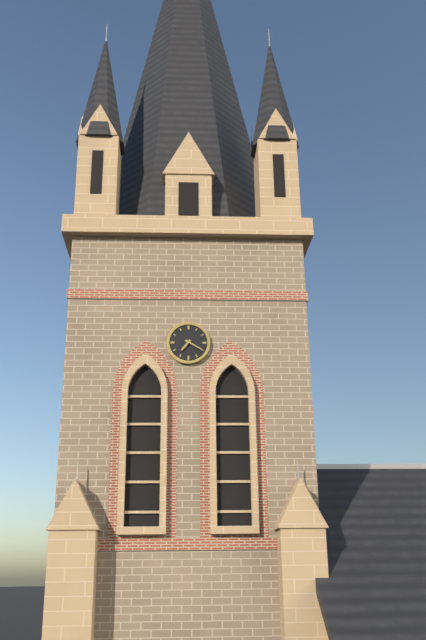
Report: 7.20
